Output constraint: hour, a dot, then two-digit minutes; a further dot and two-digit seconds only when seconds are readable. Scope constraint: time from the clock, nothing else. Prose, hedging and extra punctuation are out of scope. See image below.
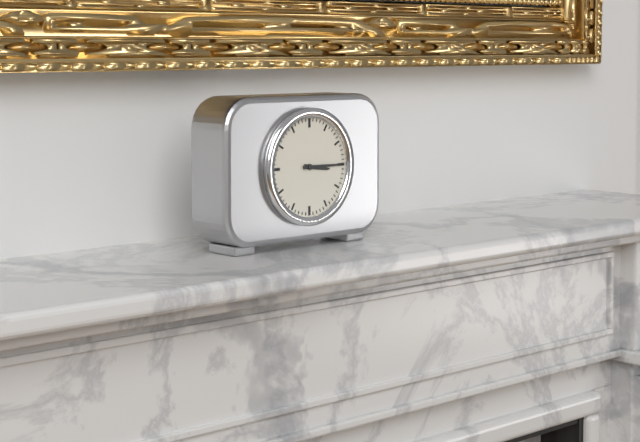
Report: 3.15
